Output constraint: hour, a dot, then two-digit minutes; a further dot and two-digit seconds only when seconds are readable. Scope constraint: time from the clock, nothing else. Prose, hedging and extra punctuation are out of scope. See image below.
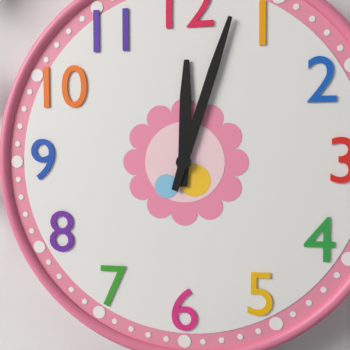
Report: 12.03
